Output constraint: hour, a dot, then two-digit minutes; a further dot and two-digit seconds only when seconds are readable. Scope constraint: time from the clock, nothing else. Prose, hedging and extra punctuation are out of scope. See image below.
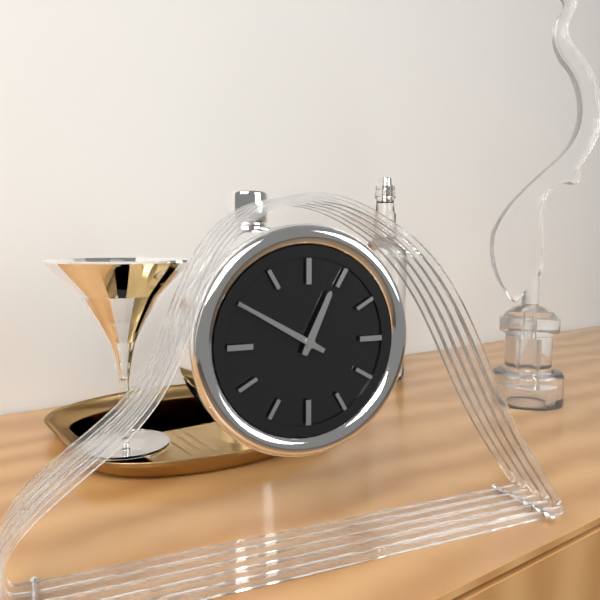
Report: 12.50
